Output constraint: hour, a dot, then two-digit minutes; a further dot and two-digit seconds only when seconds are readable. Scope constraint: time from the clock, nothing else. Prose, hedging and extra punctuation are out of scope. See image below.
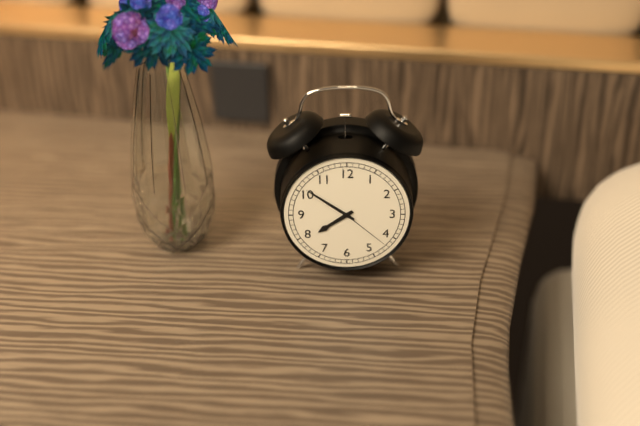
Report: 7.51.22
